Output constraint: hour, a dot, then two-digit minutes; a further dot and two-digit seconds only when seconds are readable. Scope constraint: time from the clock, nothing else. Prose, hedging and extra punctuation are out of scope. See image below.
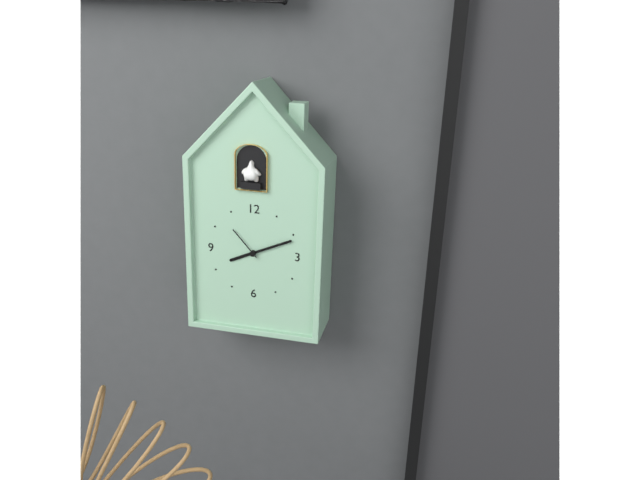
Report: 8.11
